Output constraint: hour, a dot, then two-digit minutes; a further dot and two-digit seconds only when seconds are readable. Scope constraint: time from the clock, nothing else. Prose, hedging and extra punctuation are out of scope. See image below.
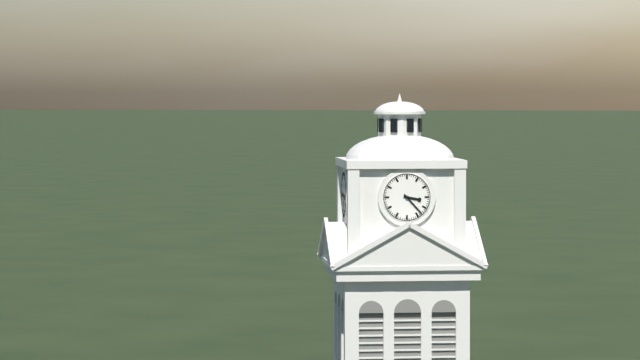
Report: 3.23
